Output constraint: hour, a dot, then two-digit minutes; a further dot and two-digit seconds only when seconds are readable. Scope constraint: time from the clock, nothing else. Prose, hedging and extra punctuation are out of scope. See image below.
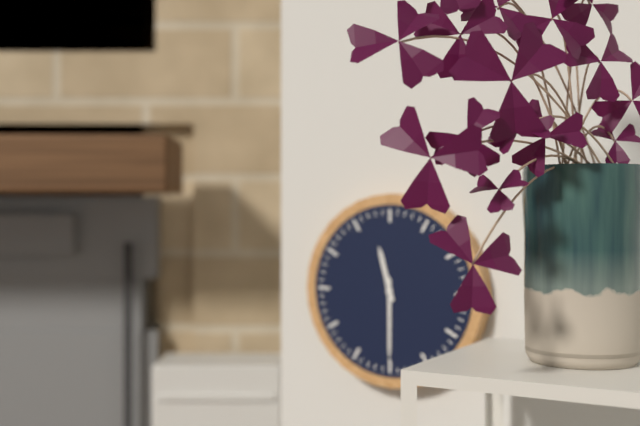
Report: 11.30
